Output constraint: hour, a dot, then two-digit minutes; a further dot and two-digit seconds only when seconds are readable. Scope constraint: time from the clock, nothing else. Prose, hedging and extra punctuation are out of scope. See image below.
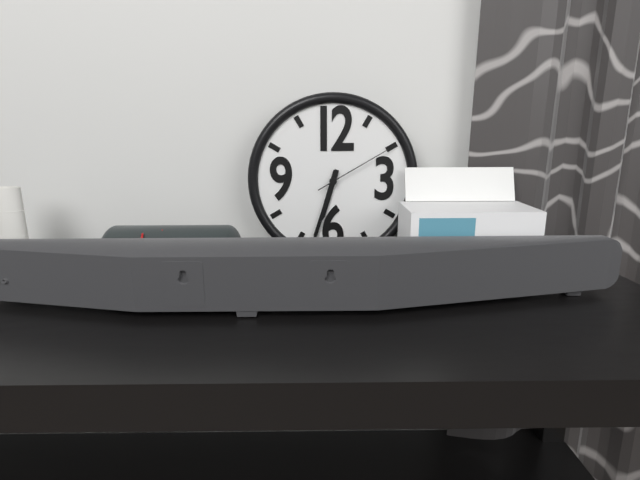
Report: 6.33.10
